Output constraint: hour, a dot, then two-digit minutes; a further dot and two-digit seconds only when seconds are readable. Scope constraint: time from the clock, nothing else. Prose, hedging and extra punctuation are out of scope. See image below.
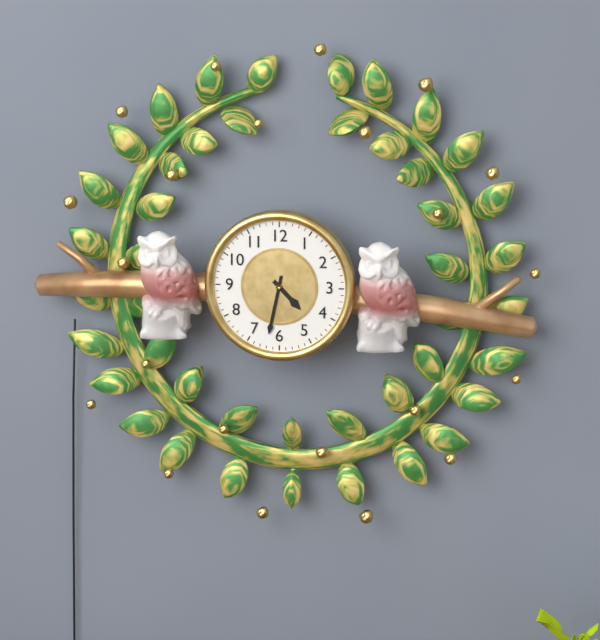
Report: 4.32
